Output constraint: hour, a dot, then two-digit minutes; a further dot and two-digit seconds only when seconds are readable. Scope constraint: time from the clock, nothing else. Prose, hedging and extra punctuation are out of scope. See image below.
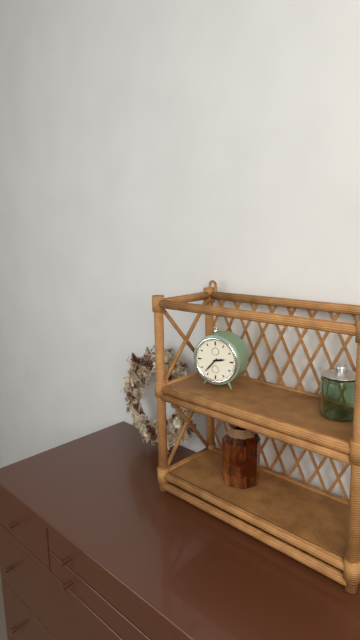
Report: 2.37
